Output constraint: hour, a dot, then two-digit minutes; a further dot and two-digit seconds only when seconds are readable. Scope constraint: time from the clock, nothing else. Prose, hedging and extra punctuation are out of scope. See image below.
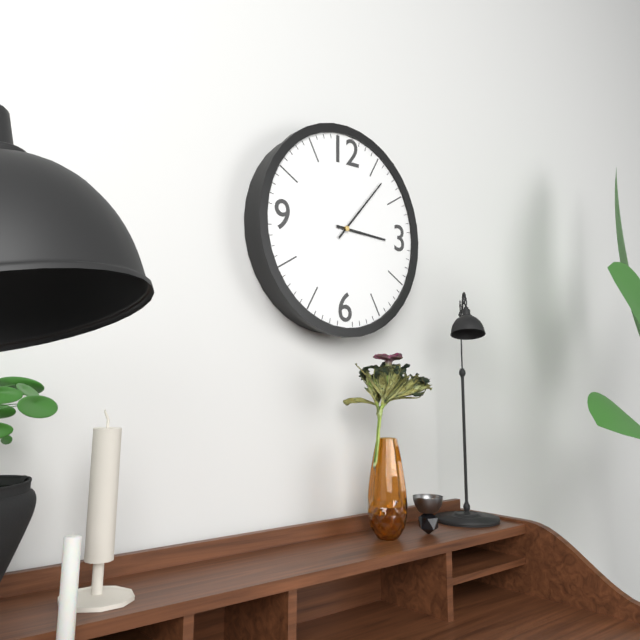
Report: 3.07
